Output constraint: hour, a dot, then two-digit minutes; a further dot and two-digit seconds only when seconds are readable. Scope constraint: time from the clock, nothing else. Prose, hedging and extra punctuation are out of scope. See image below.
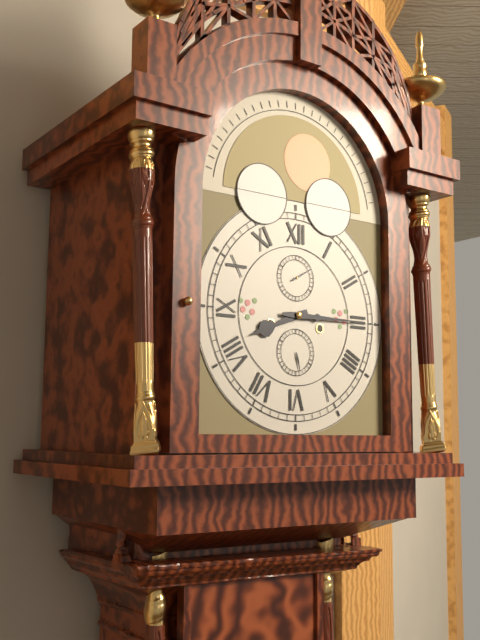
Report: 8.15
